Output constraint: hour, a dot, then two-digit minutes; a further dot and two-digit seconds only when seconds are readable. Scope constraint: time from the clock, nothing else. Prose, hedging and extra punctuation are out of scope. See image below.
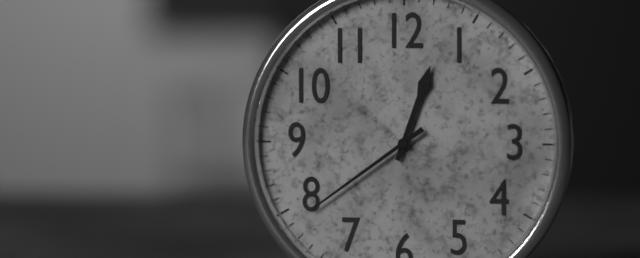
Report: 12.39
